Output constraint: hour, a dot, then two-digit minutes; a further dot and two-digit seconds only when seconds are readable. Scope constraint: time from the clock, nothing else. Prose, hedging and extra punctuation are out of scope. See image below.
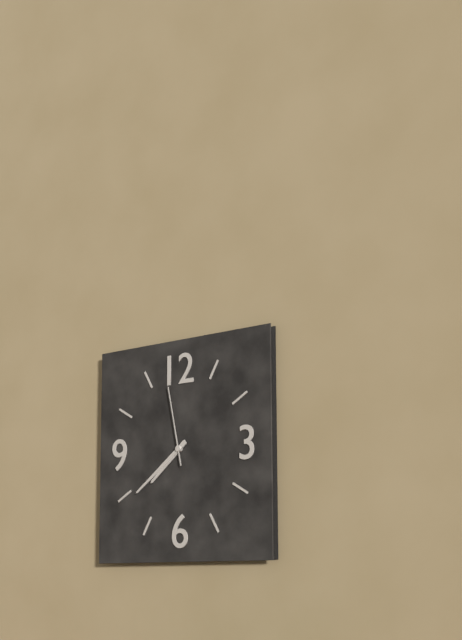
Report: 7.39.58
